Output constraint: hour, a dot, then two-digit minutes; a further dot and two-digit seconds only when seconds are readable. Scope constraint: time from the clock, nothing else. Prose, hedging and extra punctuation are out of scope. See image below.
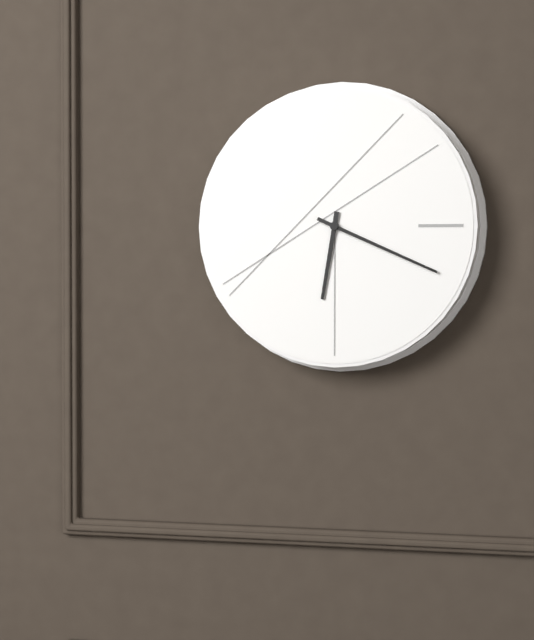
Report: 6.19
